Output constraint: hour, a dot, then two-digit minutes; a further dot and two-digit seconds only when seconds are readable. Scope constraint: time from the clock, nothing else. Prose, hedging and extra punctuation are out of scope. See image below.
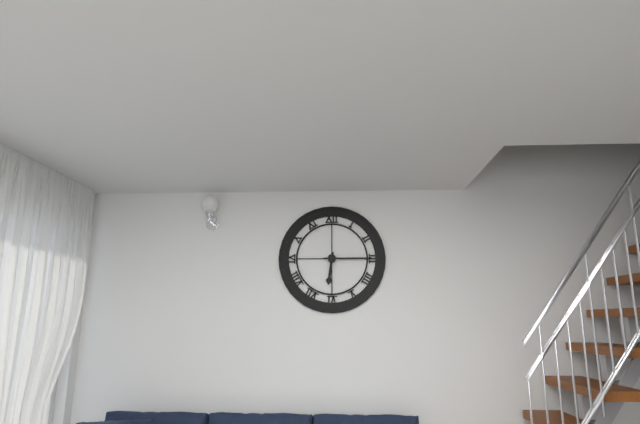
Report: 6.15
